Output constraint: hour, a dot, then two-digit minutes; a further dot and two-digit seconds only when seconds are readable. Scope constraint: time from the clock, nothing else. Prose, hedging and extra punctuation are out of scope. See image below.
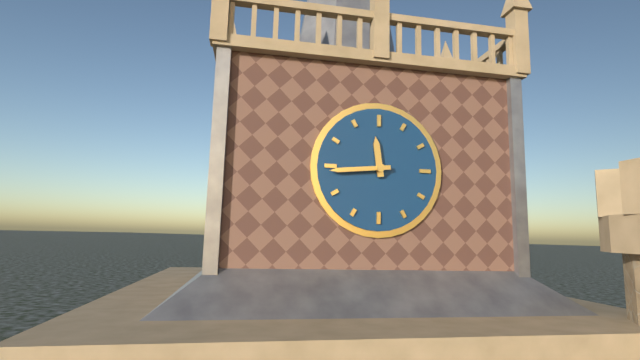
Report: 11.44
